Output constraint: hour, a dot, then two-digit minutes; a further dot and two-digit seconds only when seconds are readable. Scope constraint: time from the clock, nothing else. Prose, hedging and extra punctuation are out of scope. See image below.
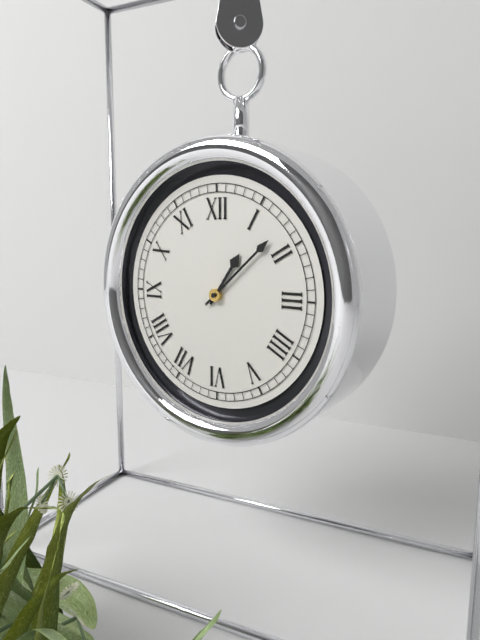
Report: 1.08
